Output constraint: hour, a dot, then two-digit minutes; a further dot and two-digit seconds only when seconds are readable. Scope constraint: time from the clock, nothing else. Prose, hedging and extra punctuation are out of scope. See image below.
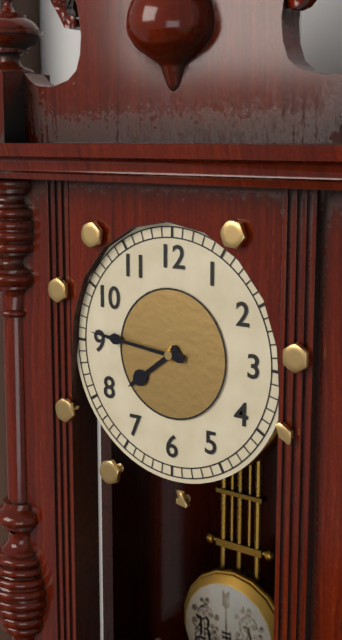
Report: 7.46
